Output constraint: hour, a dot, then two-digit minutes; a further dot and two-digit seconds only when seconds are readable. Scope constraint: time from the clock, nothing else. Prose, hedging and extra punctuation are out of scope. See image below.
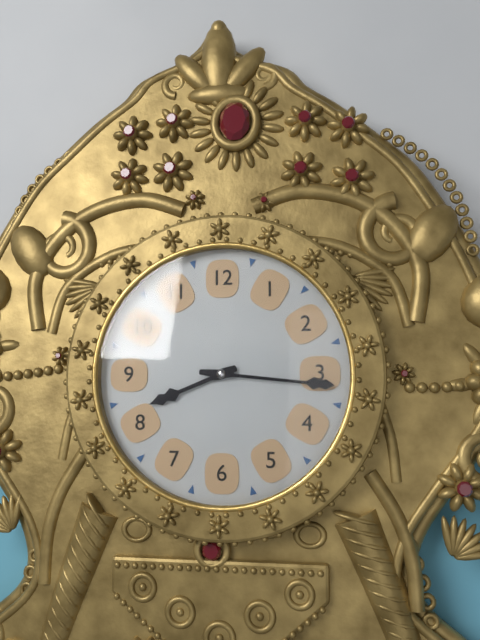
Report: 8.16
